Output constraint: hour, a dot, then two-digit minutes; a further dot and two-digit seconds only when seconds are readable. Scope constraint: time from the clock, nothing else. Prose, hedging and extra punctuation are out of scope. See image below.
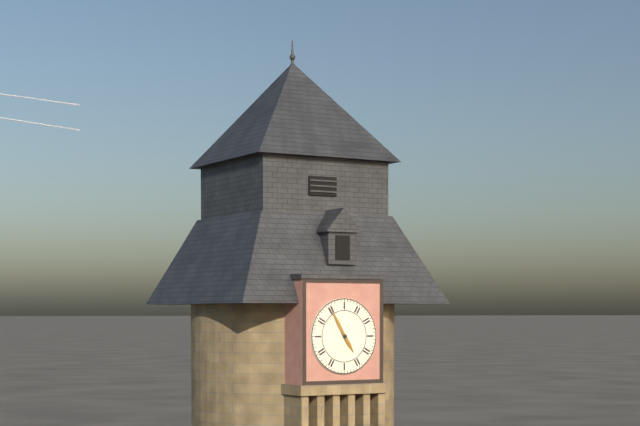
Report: 4.55
